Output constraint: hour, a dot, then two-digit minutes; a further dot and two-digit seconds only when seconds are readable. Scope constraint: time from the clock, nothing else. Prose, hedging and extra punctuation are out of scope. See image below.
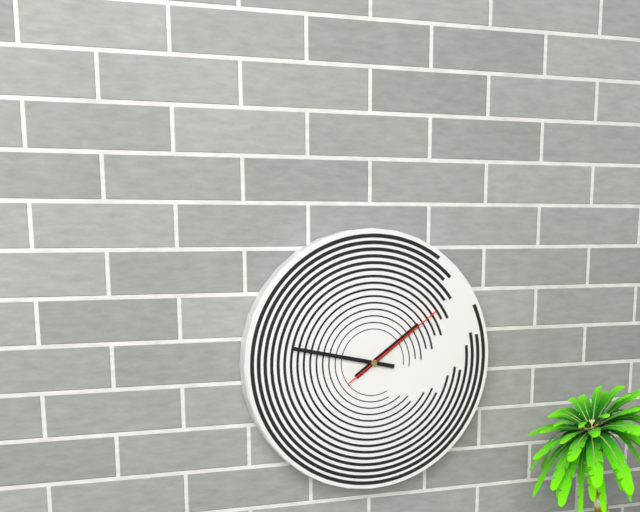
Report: 1.47.09
